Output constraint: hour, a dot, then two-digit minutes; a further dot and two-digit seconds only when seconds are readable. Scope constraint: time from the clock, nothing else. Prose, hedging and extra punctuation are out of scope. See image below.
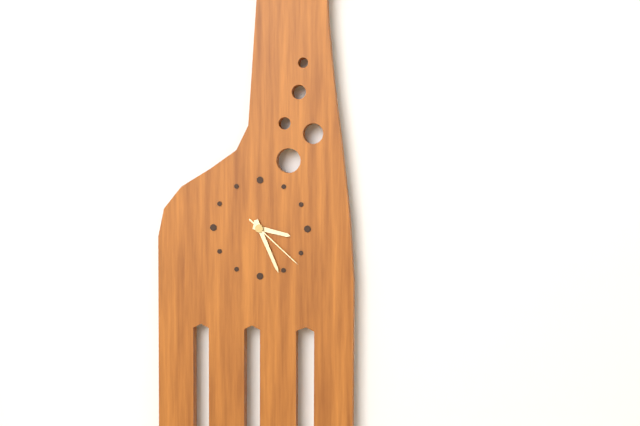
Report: 3.26.22
